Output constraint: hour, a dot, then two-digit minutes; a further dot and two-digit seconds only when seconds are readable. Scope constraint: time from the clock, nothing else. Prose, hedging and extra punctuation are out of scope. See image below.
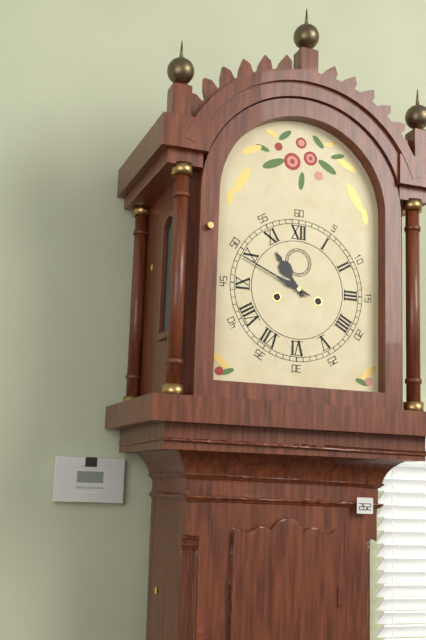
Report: 10.49
